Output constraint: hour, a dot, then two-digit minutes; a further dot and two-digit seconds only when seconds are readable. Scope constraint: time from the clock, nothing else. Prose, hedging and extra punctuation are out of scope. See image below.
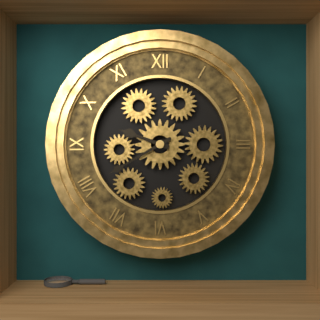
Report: 9.40
